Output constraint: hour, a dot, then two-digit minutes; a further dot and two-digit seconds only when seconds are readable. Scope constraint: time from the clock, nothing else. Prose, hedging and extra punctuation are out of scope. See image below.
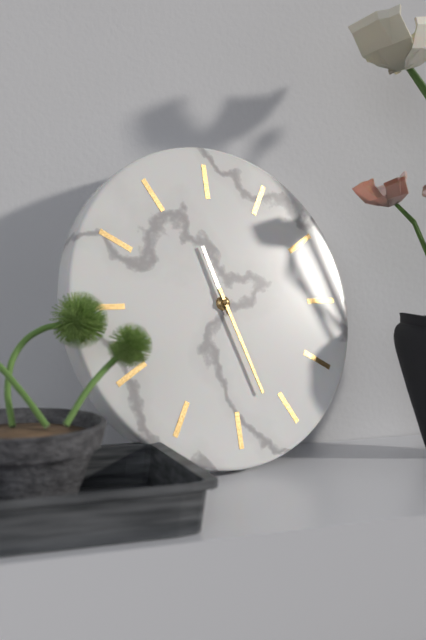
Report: 11.27
